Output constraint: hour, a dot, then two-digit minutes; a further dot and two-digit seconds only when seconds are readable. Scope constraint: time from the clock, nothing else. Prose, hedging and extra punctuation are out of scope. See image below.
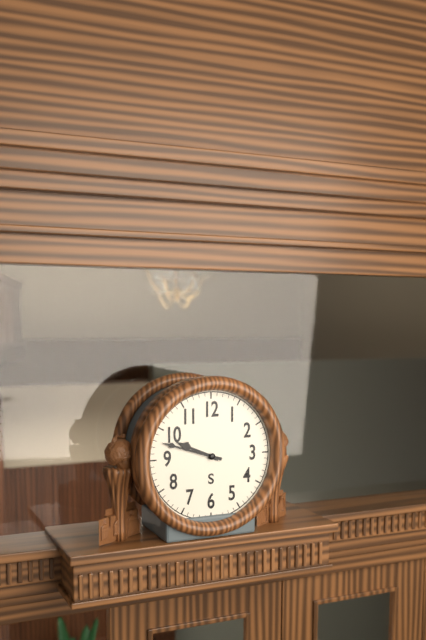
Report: 9.48
